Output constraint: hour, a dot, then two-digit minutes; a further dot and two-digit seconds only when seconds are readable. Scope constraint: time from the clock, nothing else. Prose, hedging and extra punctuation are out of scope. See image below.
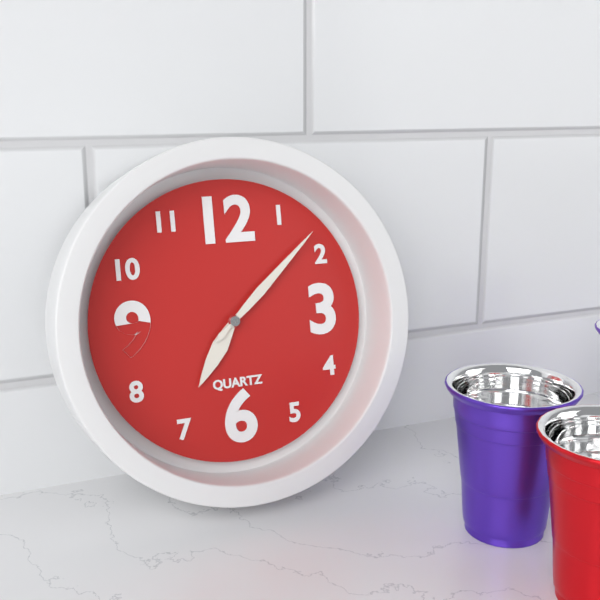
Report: 7.08
